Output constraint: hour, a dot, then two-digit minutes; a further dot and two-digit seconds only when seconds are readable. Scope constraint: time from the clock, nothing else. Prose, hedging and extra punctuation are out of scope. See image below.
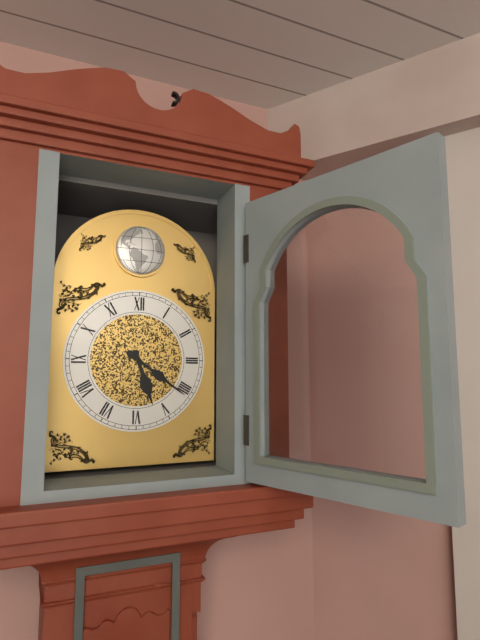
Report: 5.21
